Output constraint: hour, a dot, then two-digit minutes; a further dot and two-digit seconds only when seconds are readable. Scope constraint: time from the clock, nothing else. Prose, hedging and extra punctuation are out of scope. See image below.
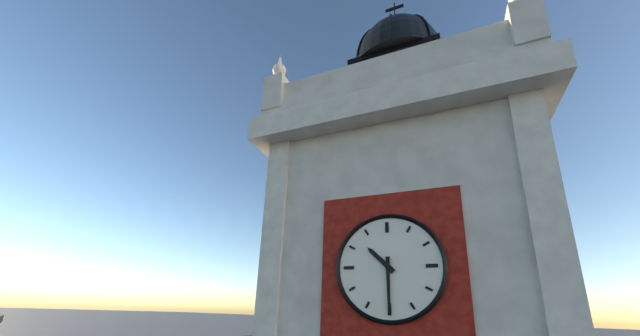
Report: 10.30
